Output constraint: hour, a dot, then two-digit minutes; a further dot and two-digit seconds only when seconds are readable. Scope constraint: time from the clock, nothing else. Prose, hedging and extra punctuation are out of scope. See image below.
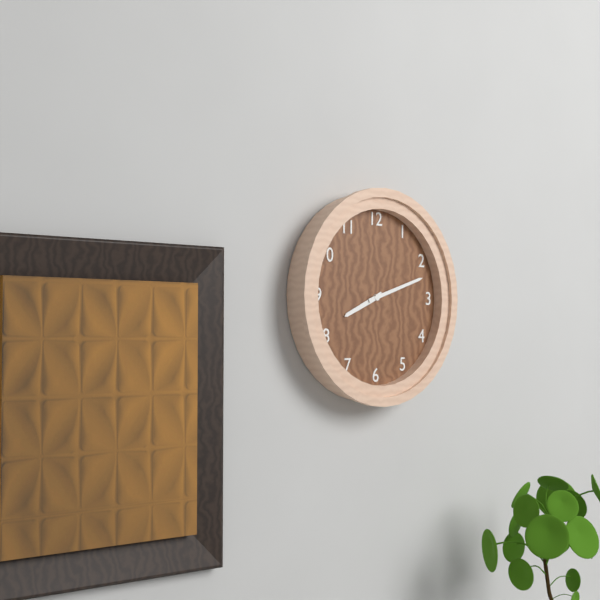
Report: 8.12
